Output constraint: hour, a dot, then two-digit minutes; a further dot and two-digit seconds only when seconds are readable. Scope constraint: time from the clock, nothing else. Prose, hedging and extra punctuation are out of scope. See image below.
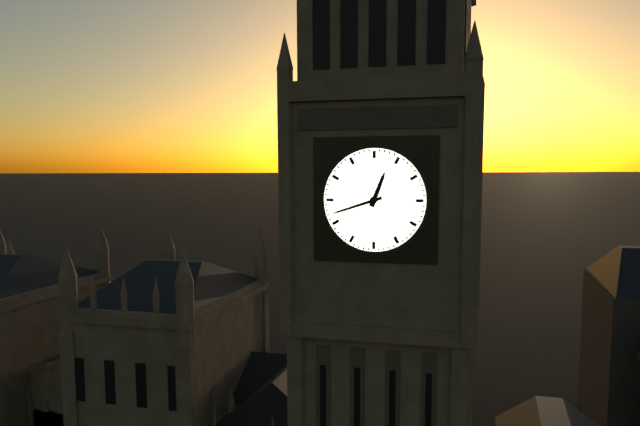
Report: 12.42
